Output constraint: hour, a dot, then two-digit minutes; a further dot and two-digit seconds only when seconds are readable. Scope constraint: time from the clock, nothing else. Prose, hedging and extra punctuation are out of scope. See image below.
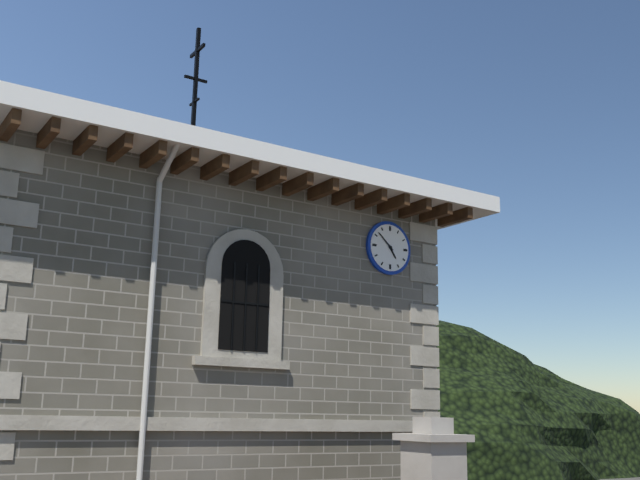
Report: 4.52
